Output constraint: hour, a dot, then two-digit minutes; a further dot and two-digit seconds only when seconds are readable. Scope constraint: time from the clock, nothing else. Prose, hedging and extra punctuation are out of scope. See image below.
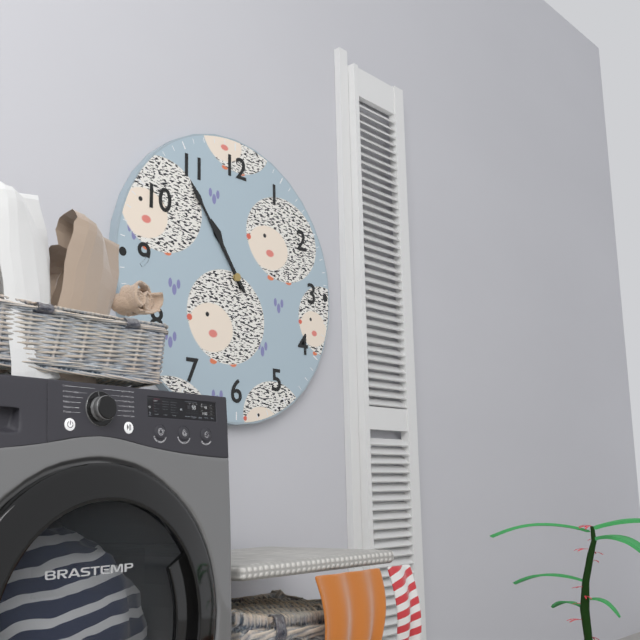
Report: 10.54
